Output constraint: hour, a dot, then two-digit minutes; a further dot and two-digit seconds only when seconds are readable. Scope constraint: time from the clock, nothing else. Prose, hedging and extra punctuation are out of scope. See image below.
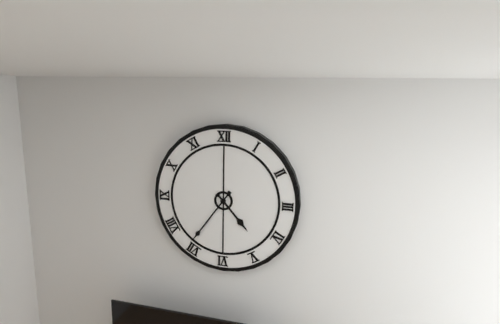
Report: 4.36
